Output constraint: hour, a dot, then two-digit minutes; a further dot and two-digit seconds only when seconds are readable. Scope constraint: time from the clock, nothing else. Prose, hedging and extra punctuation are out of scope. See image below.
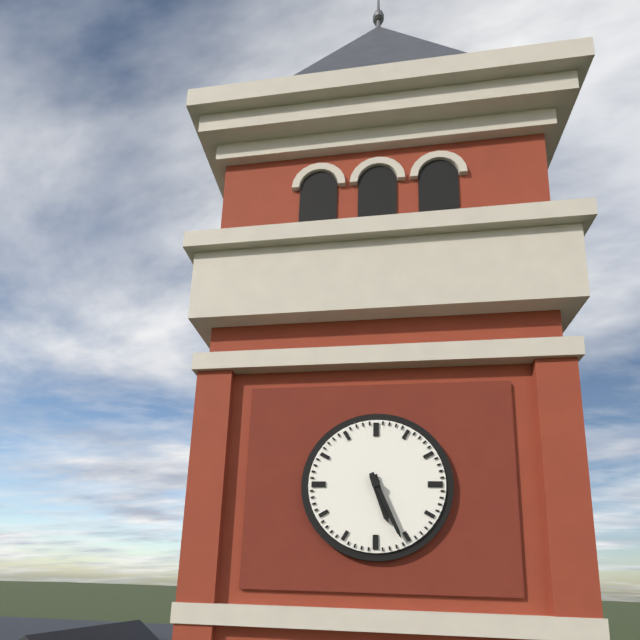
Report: 5.26
